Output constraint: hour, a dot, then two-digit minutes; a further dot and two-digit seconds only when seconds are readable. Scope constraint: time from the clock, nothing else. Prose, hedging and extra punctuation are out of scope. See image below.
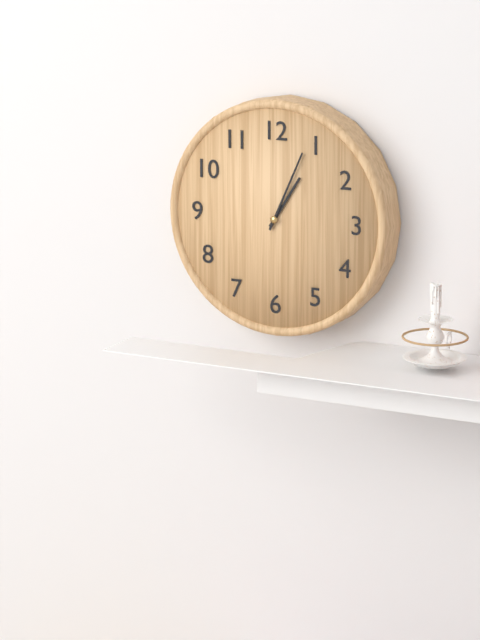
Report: 1.04
